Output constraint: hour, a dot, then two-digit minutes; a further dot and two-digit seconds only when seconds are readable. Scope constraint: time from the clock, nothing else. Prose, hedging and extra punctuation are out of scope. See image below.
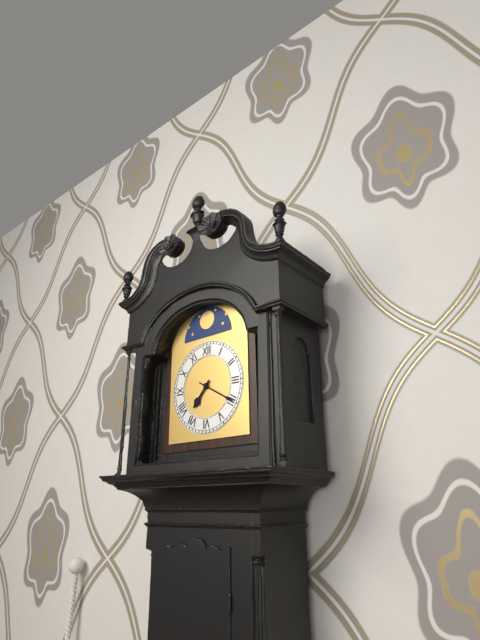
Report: 7.20
